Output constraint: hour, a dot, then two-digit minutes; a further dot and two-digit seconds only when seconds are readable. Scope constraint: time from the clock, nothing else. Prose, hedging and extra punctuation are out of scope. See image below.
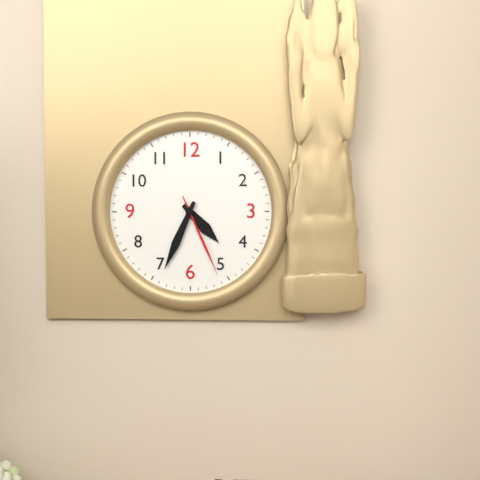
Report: 4.34.26
